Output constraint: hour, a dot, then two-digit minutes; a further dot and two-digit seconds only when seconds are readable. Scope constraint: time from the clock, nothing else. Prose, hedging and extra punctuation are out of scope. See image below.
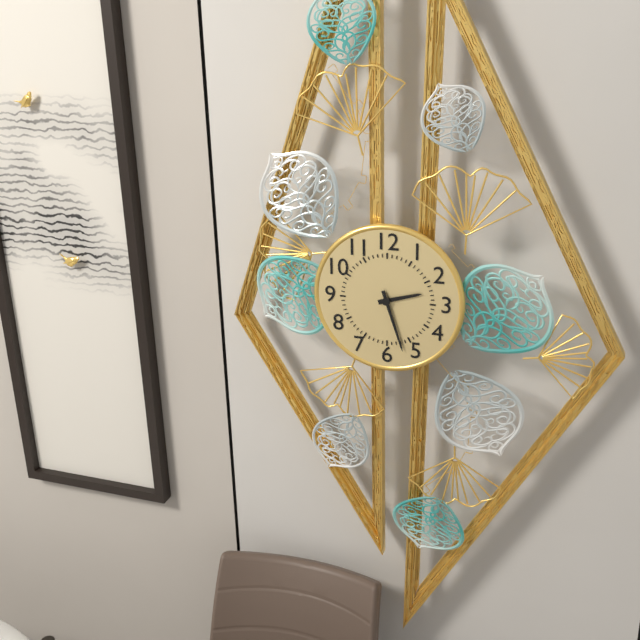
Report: 2.27
